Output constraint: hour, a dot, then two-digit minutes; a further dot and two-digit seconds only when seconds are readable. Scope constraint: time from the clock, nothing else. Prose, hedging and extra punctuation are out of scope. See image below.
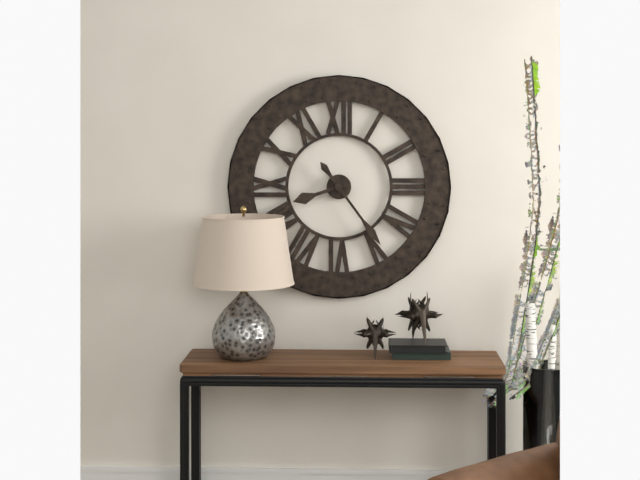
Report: 8.24
